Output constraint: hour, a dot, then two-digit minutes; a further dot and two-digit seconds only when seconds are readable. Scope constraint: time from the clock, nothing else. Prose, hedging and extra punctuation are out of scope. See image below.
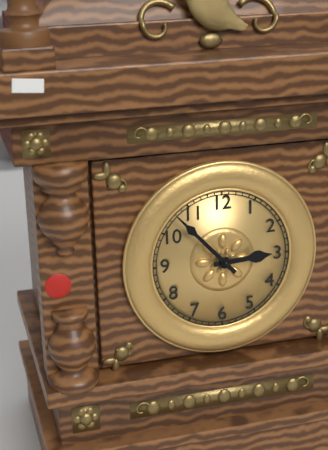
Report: 2.53
